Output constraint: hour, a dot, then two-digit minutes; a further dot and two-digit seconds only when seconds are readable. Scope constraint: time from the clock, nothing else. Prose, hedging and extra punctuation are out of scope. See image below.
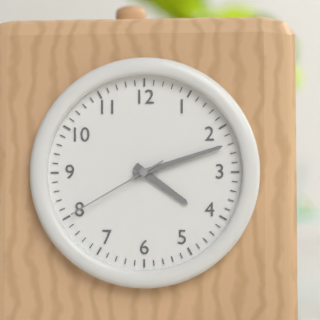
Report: 4.12.40
